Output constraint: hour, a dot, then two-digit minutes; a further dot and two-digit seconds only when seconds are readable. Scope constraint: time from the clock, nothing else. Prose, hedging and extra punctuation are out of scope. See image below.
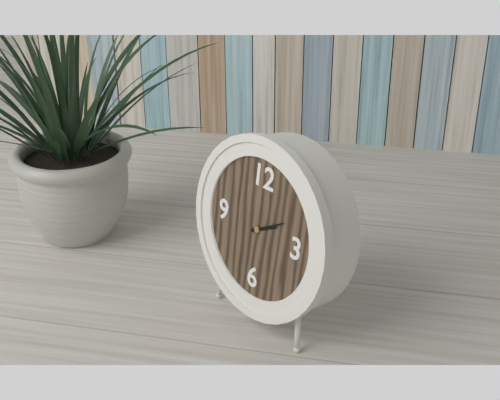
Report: 2.10
